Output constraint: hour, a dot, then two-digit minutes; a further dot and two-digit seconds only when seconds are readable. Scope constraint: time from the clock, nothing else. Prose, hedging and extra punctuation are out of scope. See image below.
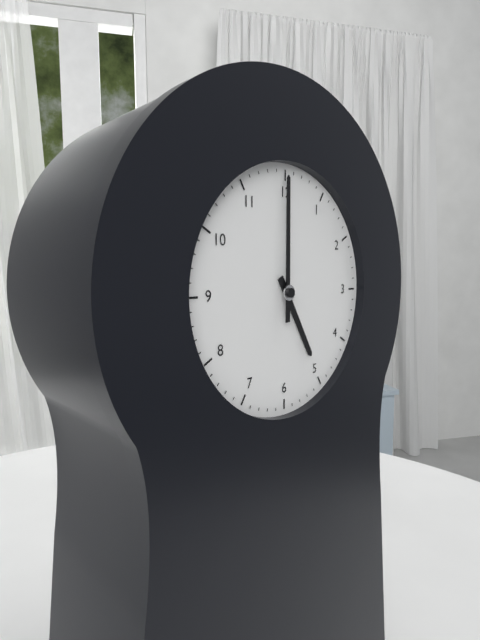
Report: 5.00
